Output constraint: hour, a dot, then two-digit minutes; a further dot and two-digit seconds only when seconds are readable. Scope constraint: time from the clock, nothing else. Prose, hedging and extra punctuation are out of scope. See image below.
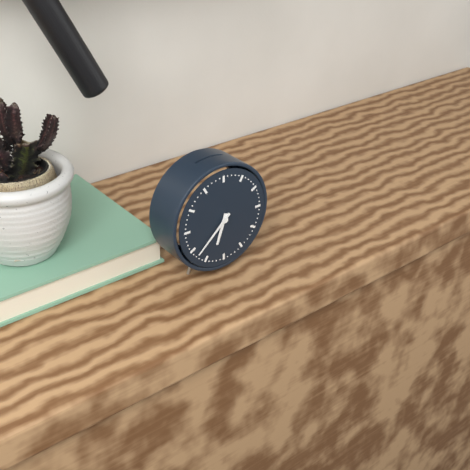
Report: 6.38
